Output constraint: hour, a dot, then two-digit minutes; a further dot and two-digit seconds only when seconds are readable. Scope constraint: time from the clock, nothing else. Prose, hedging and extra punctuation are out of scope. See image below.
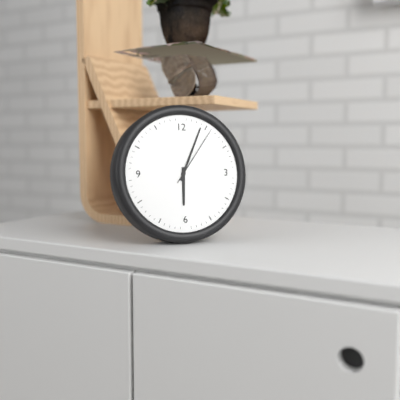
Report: 6.04.06
